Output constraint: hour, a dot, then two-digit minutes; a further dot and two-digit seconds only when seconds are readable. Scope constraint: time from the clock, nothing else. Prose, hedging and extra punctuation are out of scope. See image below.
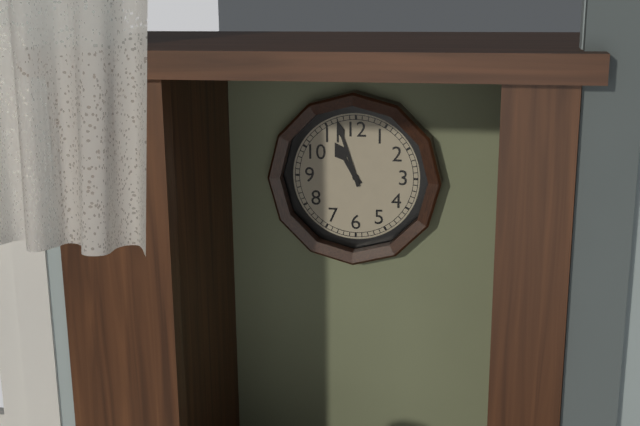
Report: 10.57
